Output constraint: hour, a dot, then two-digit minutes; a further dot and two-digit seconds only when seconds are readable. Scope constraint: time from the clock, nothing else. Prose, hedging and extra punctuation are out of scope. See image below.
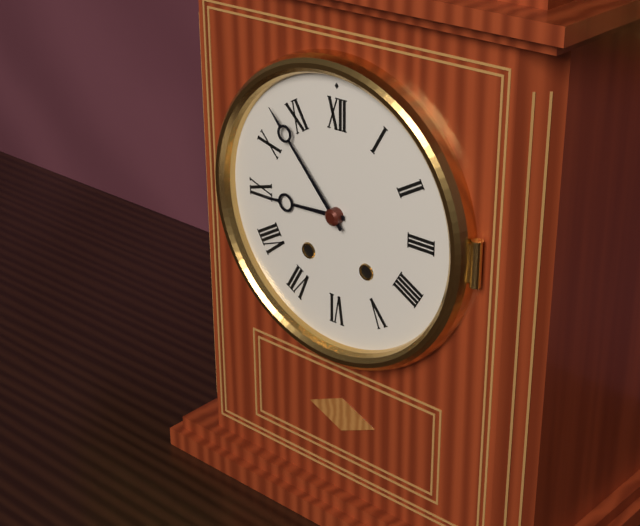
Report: 8.53
